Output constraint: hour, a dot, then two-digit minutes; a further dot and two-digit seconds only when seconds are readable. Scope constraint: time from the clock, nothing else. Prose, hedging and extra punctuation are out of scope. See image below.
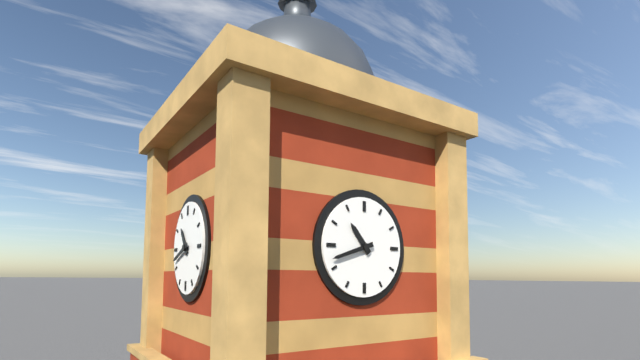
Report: 10.42
